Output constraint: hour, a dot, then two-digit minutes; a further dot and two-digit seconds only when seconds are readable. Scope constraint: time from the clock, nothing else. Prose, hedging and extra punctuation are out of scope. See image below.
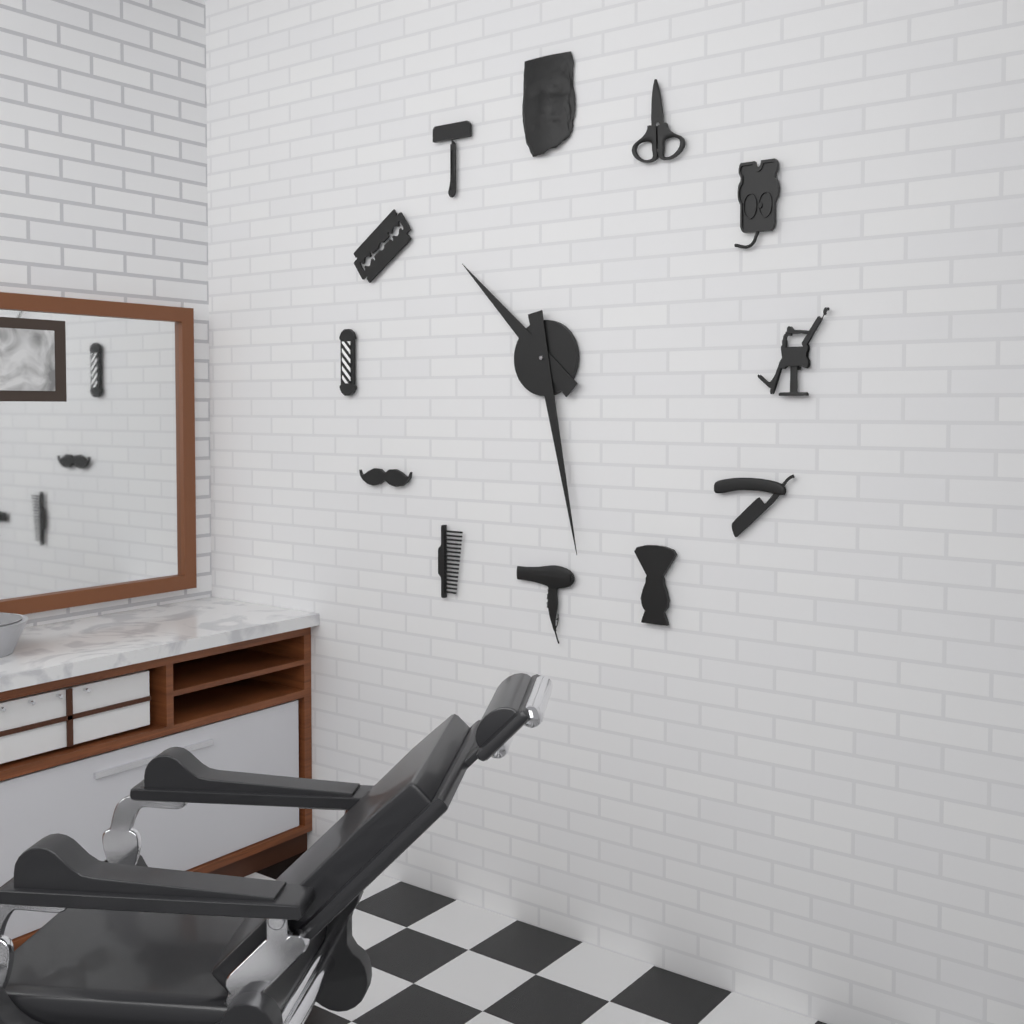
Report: 10.28
